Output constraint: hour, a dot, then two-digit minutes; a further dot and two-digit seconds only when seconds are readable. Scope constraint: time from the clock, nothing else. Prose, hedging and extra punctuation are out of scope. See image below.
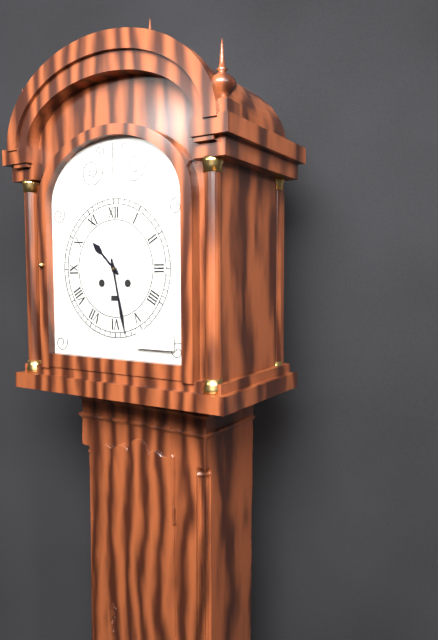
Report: 10.28
